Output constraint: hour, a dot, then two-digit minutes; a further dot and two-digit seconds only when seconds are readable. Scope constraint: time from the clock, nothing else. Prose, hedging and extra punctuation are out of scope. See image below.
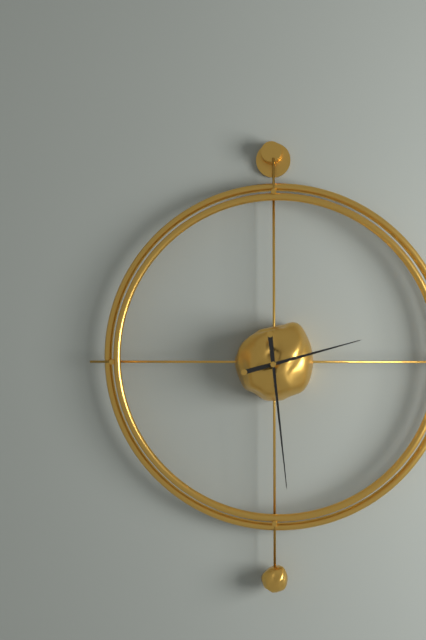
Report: 2.29
